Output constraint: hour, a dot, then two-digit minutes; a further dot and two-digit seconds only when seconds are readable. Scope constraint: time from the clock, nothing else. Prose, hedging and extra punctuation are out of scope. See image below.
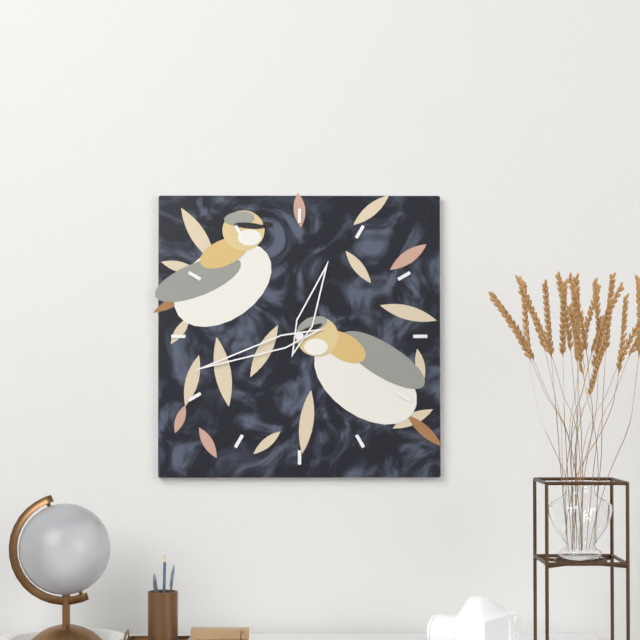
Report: 12.42
